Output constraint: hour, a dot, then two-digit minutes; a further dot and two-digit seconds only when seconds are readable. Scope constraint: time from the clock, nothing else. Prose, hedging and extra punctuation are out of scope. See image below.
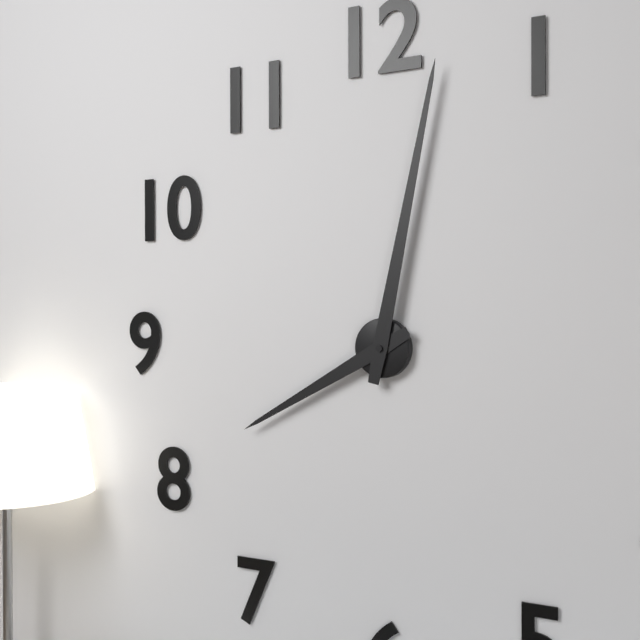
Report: 8.02
